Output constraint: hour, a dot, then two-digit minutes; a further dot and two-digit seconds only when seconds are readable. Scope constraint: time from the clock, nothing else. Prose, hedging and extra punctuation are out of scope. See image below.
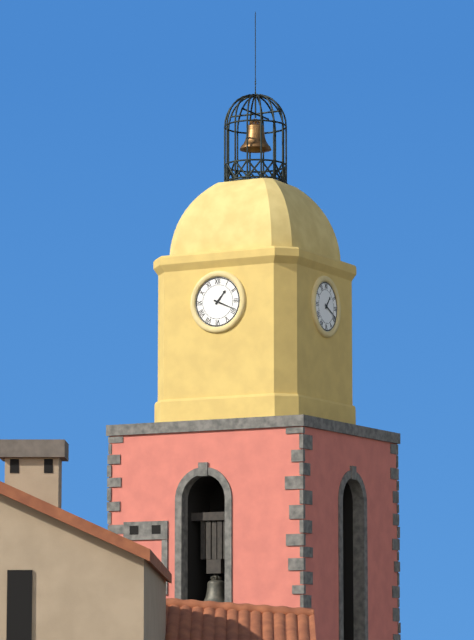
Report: 1.19
